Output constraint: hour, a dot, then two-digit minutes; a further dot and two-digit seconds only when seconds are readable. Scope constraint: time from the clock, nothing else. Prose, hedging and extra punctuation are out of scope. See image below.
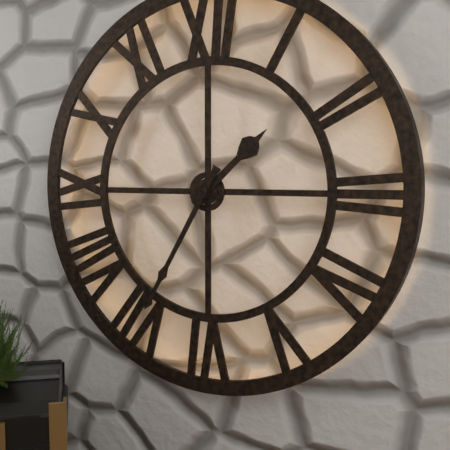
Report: 1.35
